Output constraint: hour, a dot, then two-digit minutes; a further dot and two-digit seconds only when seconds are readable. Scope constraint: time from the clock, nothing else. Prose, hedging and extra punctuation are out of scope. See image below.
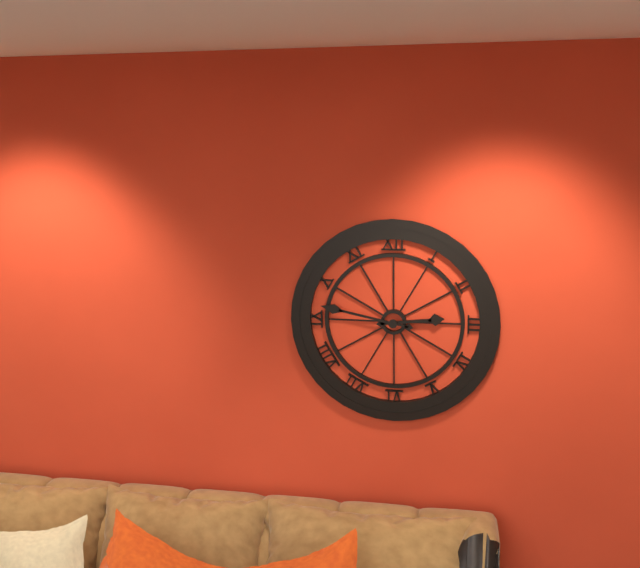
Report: 2.47
